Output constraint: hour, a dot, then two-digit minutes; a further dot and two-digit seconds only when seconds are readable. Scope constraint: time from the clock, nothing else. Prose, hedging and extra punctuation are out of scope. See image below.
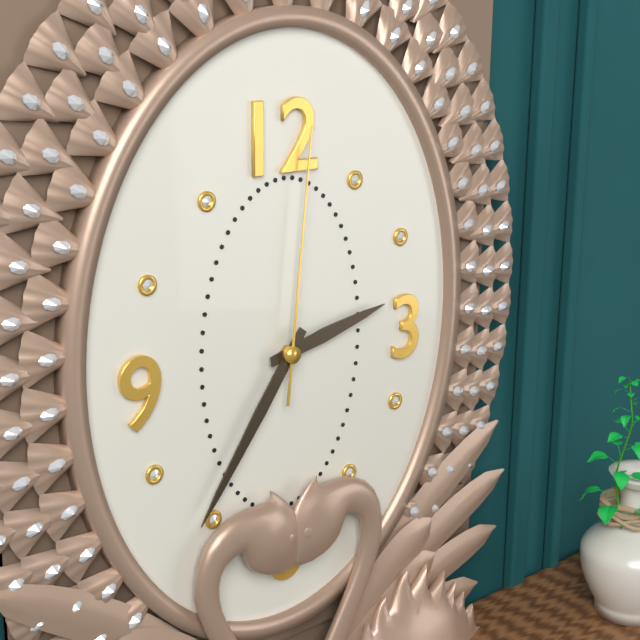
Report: 2.36.01
